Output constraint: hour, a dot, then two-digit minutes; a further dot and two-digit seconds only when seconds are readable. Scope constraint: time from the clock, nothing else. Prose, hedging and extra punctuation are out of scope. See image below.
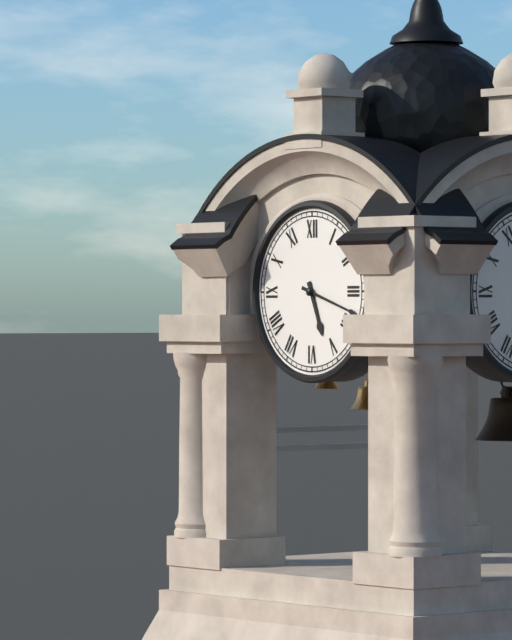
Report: 5.18
